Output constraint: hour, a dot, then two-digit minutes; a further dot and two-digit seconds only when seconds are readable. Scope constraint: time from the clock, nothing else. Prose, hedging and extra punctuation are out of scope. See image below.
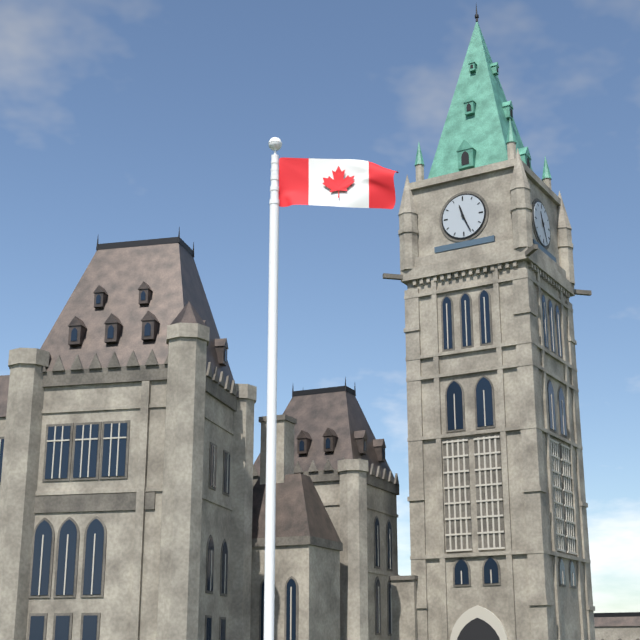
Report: 11.26
